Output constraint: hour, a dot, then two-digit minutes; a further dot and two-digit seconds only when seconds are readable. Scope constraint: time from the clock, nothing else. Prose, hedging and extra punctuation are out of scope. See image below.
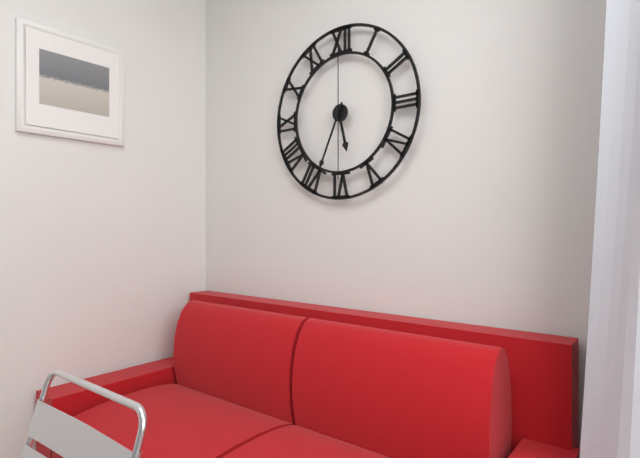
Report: 5.34.00
